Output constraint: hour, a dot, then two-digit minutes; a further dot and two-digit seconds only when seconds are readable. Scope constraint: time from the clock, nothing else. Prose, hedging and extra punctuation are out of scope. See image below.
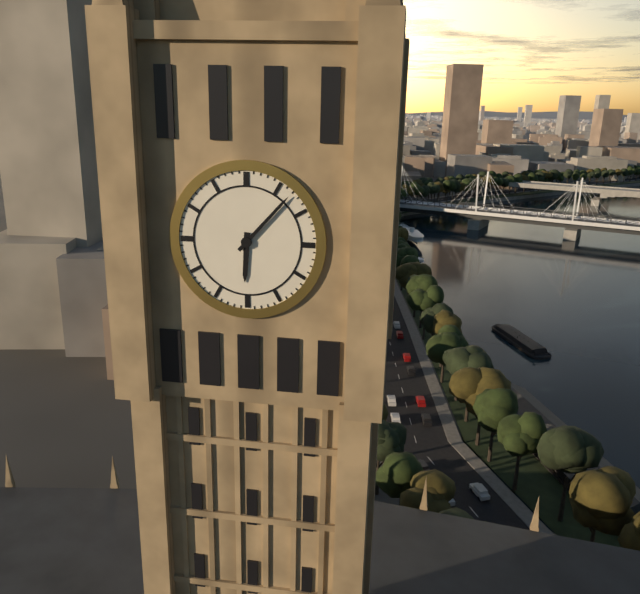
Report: 6.07
